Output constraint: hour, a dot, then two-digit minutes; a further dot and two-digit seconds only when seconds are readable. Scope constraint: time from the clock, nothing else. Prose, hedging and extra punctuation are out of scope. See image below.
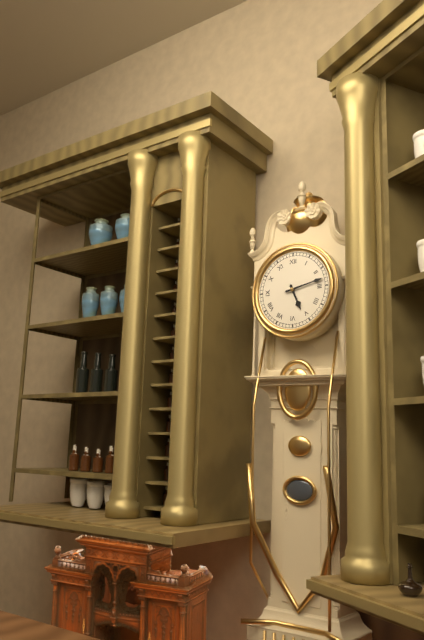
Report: 5.13
